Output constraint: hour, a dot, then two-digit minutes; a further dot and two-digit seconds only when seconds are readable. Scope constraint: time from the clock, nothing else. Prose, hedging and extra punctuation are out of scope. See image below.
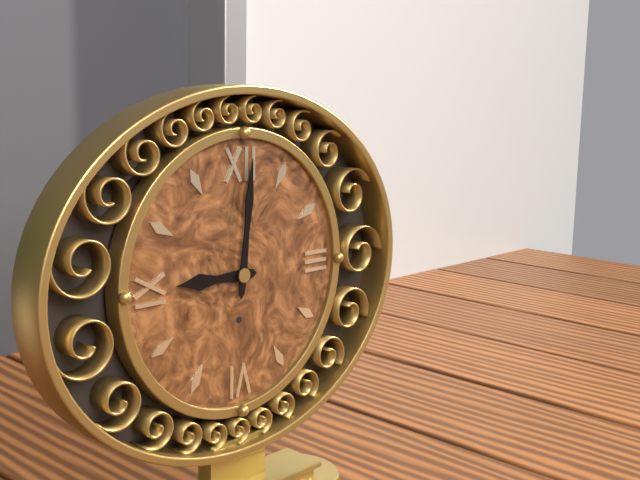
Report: 9.01
